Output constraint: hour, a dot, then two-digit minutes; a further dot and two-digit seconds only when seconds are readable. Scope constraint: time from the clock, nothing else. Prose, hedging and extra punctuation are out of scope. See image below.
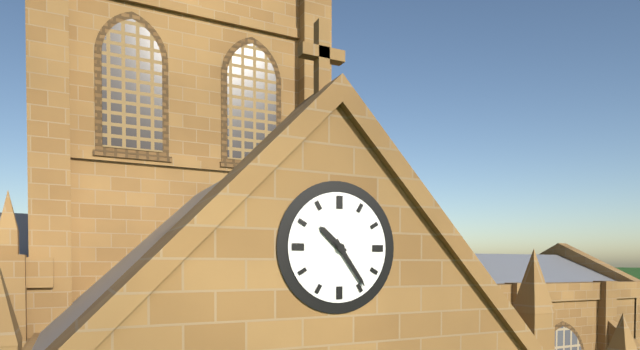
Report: 10.24
